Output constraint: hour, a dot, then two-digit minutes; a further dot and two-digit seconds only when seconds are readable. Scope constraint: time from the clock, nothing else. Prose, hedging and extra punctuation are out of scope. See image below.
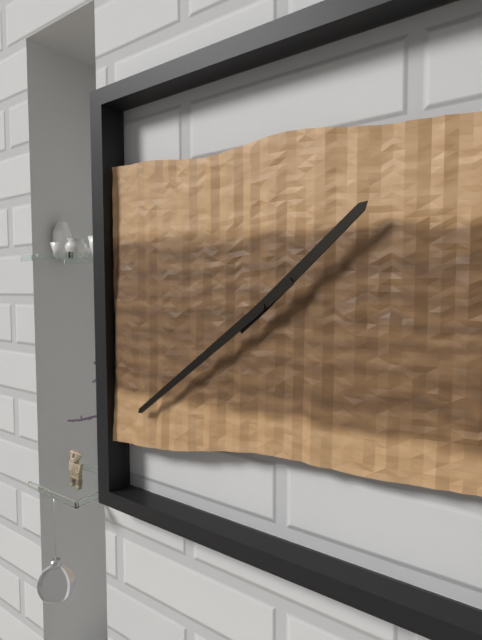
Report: 1.39
